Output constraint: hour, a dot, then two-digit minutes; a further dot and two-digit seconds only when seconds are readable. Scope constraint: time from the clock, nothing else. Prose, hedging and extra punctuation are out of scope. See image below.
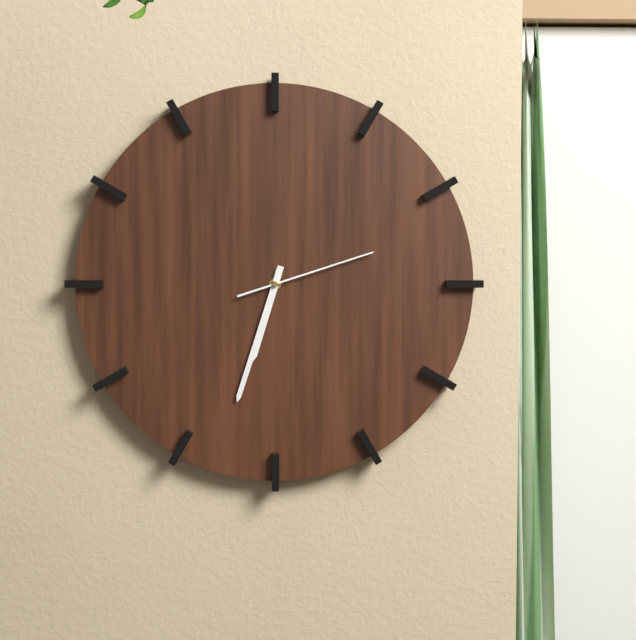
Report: 6.33.12
